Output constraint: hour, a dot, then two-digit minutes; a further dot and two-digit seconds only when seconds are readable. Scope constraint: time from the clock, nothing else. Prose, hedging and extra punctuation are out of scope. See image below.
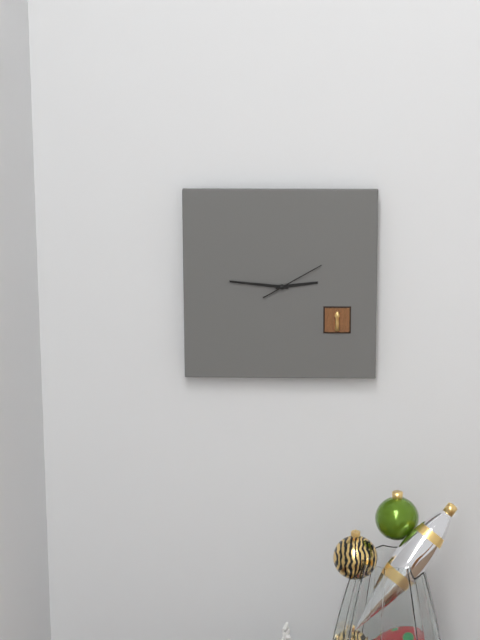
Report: 2.46.10
